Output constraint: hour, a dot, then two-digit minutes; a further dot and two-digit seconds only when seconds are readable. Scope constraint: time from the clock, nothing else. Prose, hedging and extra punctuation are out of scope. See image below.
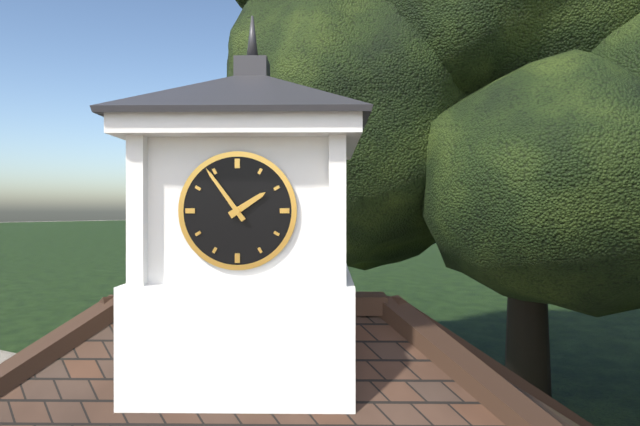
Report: 1.54
